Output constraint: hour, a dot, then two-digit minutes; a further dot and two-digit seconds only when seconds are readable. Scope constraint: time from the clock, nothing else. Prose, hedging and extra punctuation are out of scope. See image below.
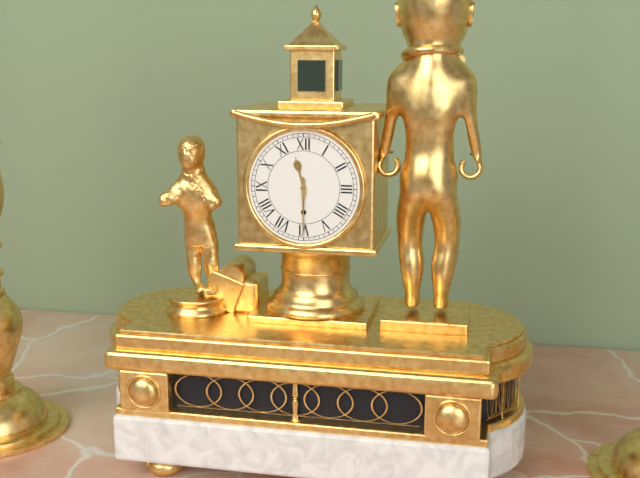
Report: 11.30
